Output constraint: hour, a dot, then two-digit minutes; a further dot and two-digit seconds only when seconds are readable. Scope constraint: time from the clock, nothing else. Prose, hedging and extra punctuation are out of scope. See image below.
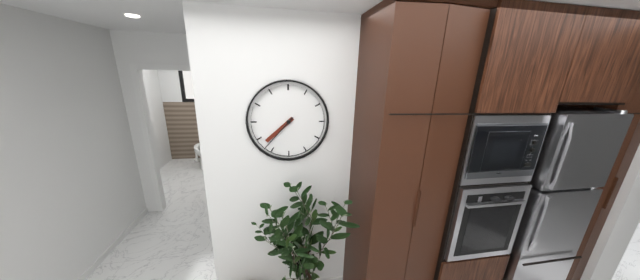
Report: 7.37
